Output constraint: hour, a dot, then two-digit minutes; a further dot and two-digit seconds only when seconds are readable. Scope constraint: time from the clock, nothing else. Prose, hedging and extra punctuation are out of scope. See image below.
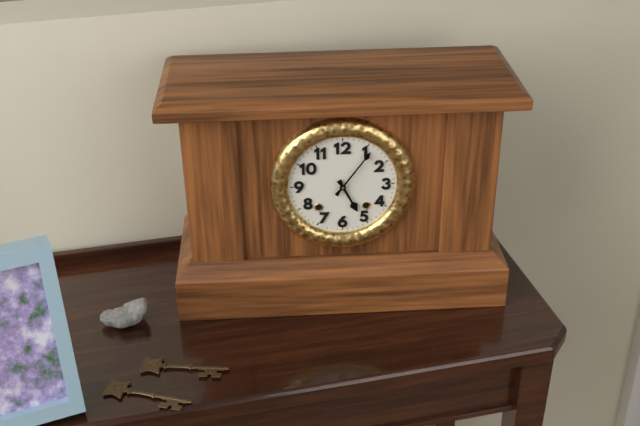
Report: 5.06
